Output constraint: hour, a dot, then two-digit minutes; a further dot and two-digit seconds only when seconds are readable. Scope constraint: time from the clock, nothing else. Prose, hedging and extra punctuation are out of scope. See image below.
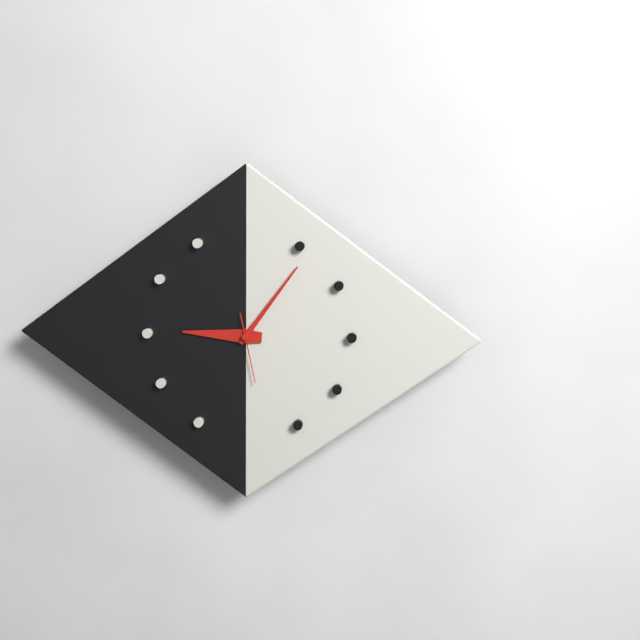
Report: 9.06.28
